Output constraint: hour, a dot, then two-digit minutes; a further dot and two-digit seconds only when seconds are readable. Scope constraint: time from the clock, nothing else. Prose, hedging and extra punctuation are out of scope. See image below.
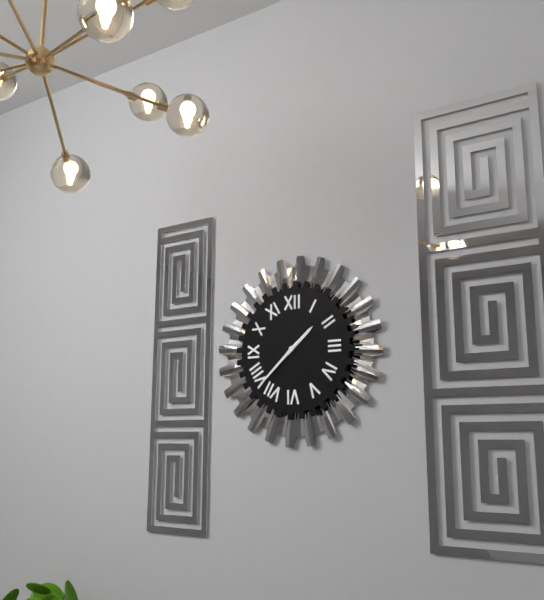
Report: 1.38
